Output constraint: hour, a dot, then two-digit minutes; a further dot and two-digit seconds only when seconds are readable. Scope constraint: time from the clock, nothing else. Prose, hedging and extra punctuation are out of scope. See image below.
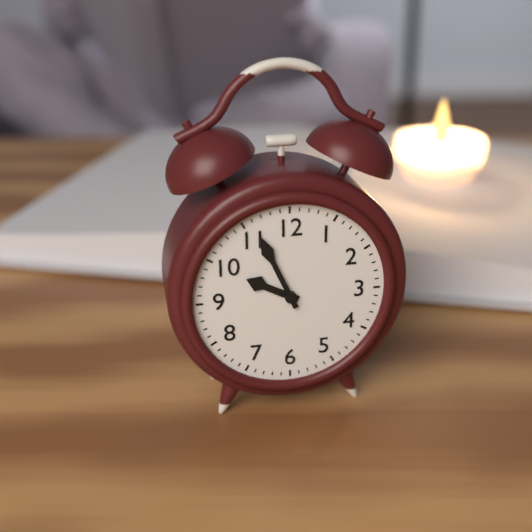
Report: 9.56
